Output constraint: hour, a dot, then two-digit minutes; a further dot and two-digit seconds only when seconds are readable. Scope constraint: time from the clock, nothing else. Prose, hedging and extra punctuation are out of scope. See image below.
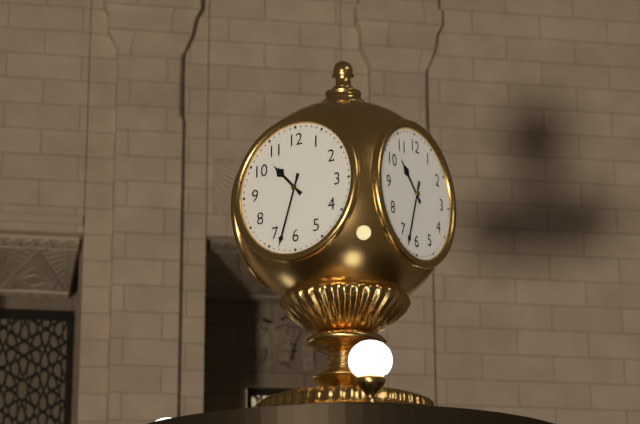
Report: 10.33
